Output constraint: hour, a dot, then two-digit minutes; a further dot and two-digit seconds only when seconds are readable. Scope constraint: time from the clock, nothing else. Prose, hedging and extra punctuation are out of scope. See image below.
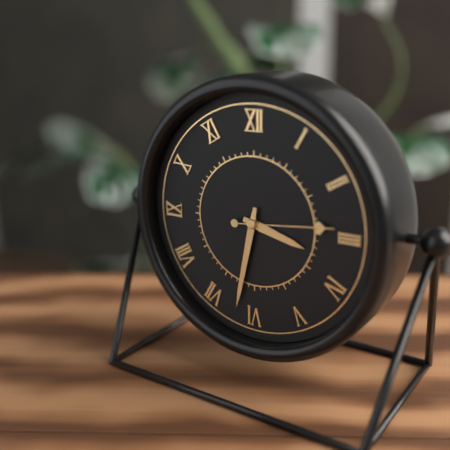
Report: 3.32.14
